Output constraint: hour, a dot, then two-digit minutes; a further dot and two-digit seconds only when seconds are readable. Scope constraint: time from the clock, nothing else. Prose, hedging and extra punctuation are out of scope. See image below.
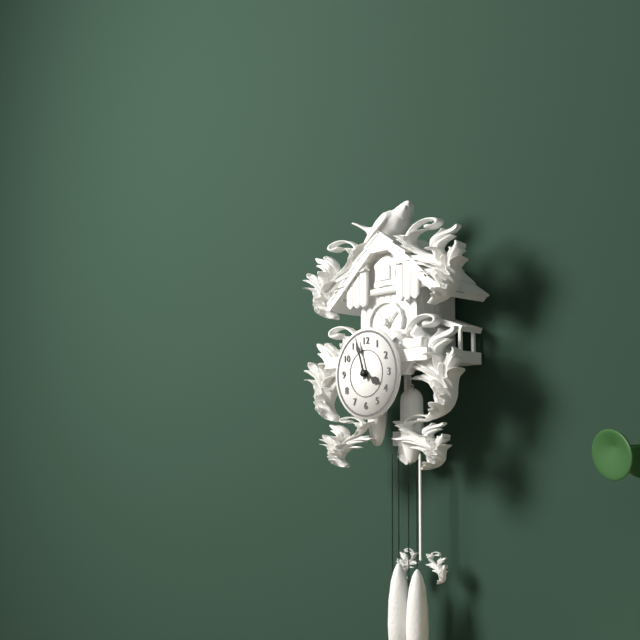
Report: 3.57
